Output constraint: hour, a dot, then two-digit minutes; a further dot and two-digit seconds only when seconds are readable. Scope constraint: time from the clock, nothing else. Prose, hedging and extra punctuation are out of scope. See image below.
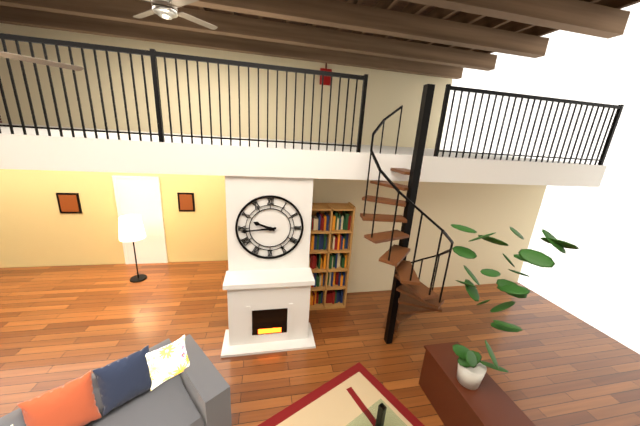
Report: 9.44
